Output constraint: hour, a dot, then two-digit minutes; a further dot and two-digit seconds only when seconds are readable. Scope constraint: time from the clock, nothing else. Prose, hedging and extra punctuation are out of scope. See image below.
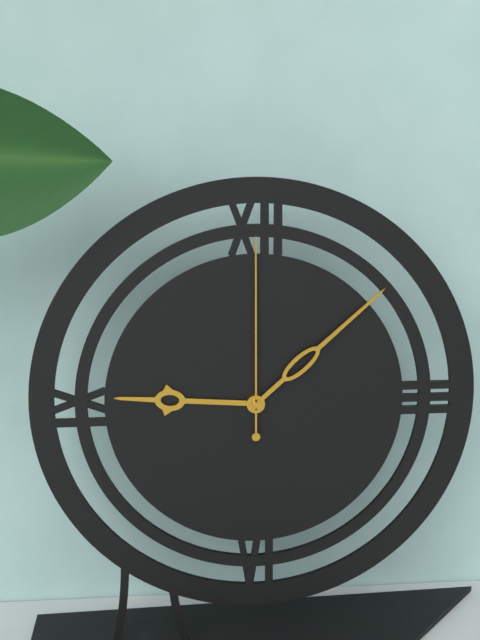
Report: 9.08.00
